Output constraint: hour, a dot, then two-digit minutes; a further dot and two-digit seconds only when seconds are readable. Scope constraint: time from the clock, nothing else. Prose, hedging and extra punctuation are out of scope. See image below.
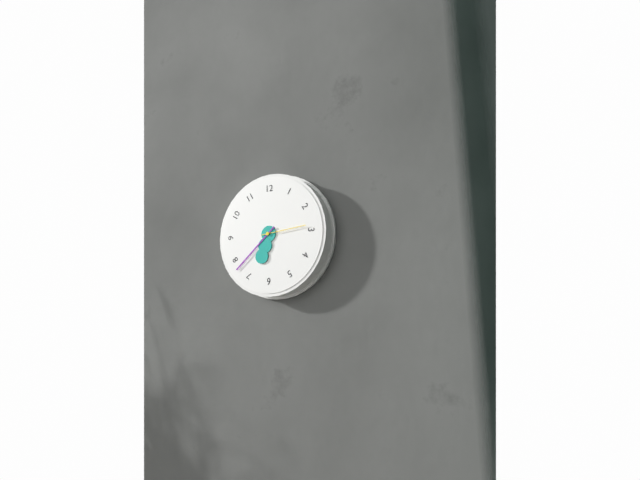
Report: 6.38
